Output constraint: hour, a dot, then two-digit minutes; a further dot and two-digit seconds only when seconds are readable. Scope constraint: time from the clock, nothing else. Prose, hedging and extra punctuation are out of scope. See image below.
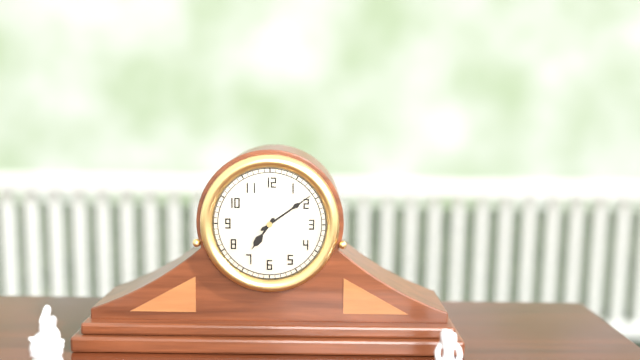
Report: 7.09
